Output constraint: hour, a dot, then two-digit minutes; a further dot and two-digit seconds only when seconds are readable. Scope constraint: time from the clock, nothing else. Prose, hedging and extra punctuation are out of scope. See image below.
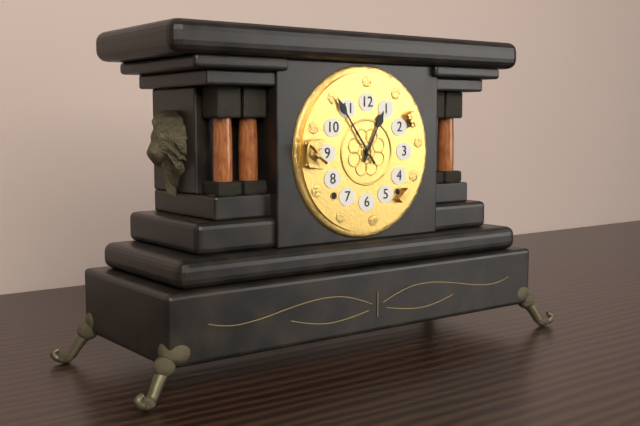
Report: 12.54
